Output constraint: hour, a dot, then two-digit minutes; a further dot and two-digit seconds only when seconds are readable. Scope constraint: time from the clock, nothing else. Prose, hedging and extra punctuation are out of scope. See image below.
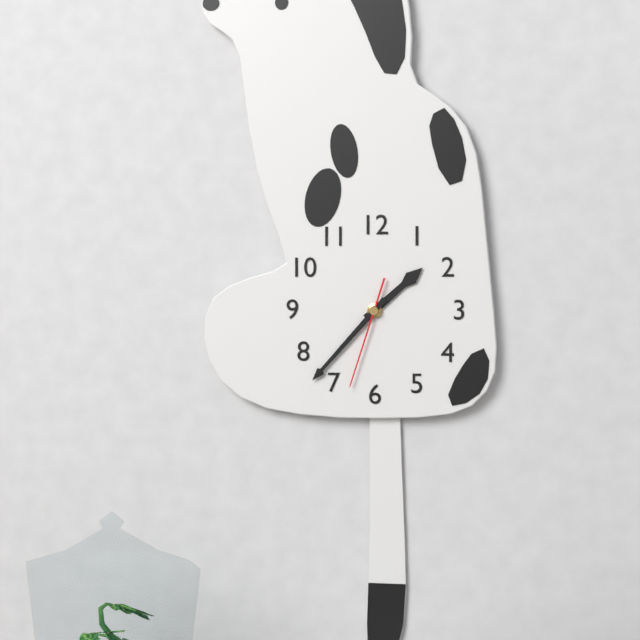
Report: 1.37.33
